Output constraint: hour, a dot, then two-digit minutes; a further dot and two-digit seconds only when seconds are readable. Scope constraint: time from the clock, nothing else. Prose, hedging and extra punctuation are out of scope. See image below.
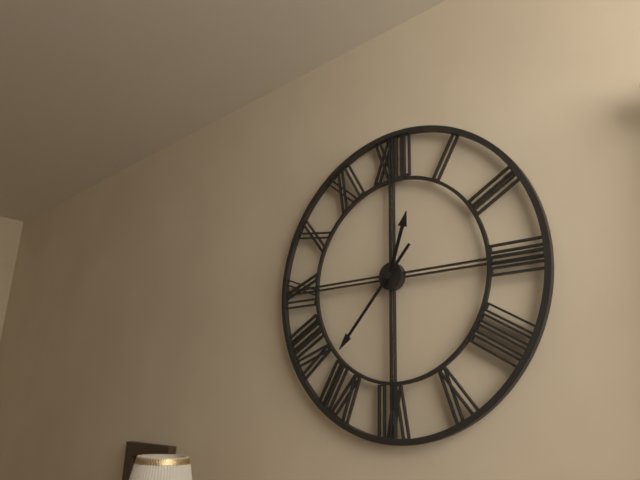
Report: 12.37
